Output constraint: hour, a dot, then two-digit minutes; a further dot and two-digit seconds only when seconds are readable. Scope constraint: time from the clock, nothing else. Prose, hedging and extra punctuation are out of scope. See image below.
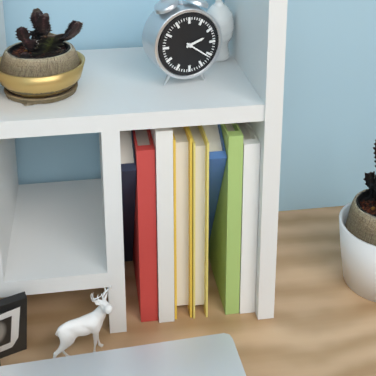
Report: 2.21
